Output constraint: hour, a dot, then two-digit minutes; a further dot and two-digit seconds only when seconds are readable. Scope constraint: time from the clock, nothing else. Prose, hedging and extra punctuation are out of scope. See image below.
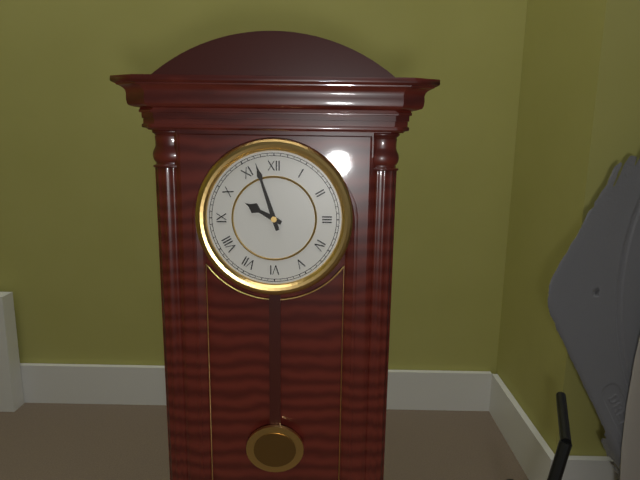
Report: 9.57
